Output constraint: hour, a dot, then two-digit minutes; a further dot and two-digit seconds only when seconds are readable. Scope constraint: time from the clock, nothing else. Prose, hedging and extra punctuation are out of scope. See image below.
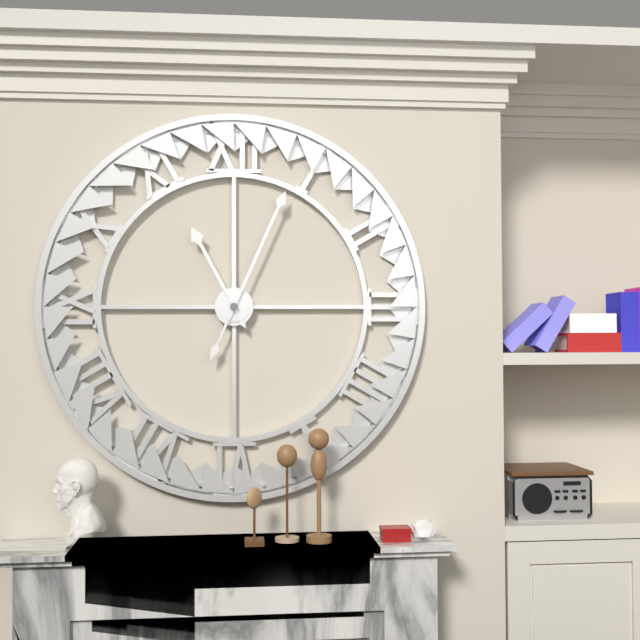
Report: 11.04
